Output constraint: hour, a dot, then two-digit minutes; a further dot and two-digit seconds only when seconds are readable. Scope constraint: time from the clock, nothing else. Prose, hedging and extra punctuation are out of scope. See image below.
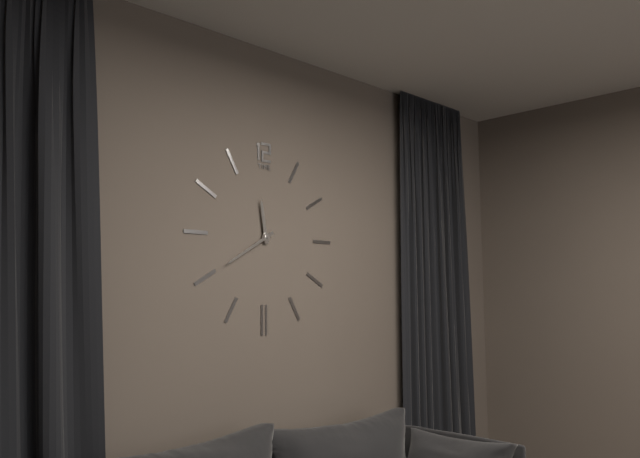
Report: 11.40
